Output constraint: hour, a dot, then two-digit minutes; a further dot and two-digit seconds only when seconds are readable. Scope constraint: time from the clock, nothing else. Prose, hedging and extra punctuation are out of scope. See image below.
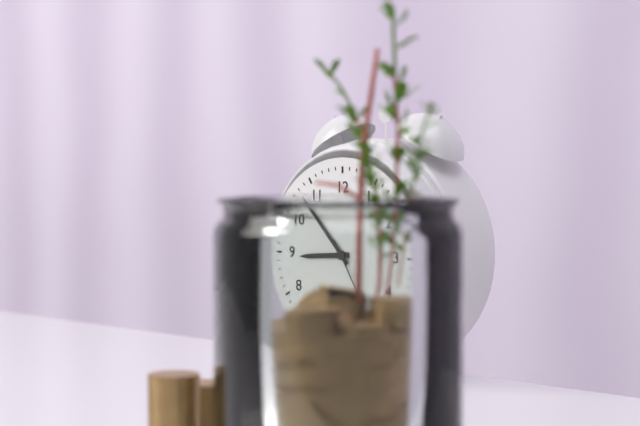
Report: 8.53
